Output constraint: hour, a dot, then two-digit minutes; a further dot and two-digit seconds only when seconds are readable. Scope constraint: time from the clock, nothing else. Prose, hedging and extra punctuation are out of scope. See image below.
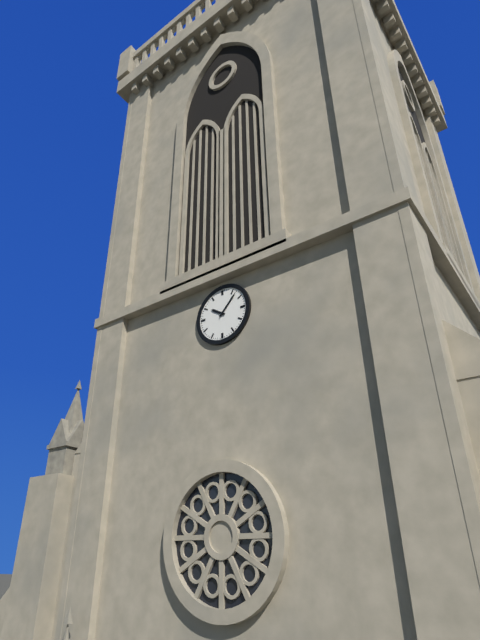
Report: 10.07
